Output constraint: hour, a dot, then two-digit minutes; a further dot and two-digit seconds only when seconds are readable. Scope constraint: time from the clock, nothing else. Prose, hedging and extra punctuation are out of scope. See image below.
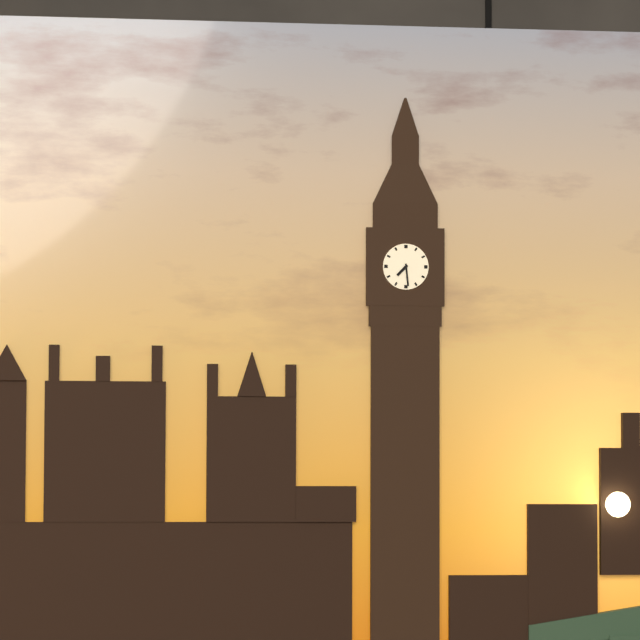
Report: 7.29
